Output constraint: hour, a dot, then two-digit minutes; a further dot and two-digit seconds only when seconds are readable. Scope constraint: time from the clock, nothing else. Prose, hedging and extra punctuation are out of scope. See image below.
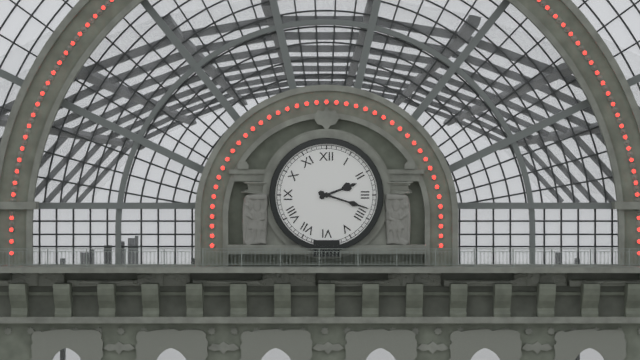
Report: 2.18
